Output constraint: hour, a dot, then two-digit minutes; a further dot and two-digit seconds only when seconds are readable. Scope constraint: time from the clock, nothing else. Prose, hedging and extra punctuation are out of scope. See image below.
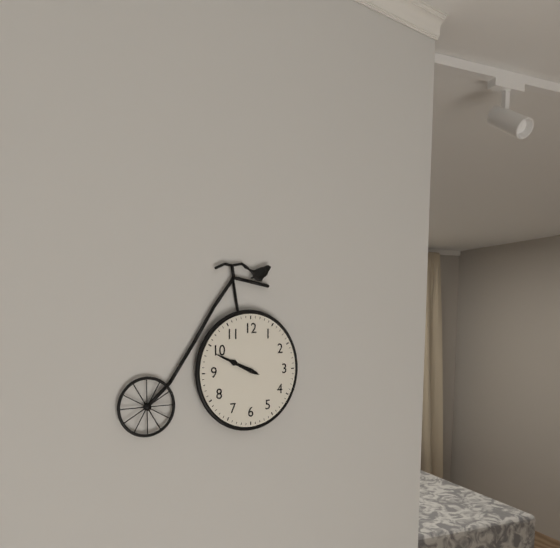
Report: 9.49
